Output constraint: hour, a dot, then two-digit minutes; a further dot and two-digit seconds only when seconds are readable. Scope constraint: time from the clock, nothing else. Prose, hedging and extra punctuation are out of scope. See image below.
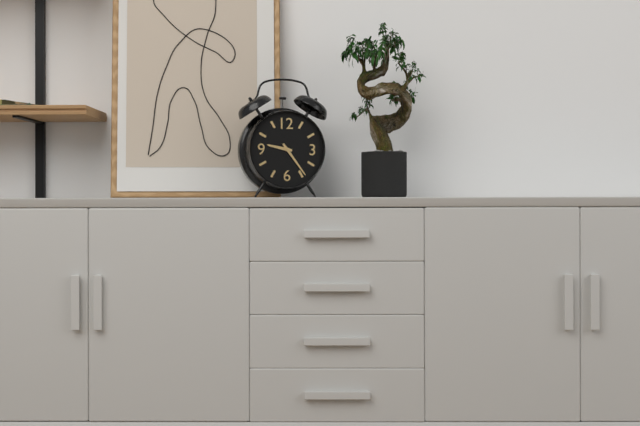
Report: 9.24
